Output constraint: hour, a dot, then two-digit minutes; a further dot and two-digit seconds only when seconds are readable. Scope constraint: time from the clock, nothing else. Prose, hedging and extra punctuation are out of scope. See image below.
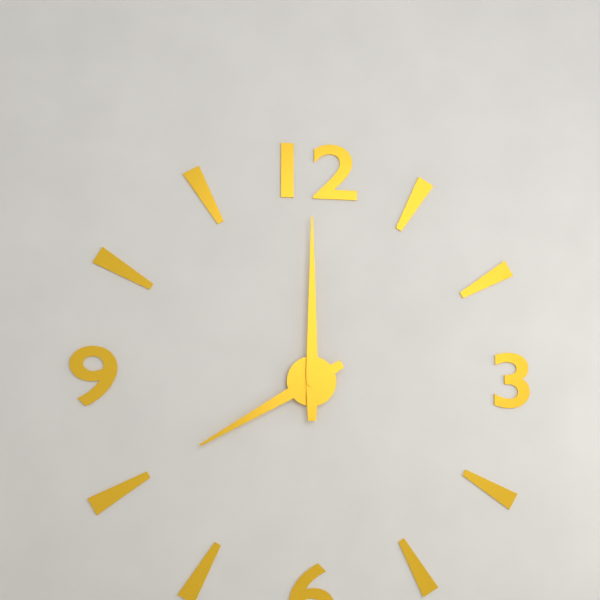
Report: 8.00
